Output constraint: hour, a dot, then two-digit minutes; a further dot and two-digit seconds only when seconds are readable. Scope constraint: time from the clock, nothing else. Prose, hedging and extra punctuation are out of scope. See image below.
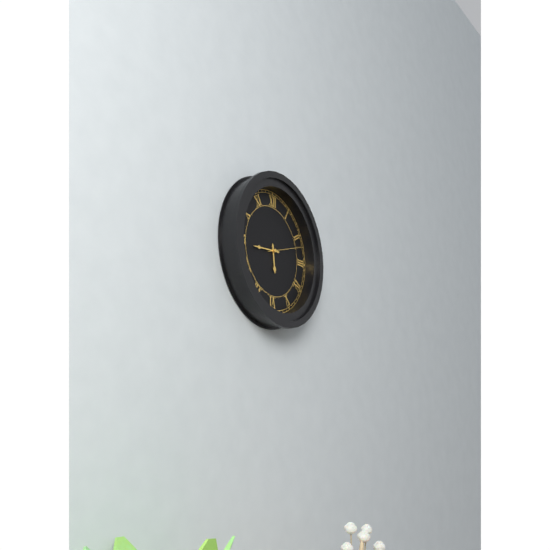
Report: 5.44
